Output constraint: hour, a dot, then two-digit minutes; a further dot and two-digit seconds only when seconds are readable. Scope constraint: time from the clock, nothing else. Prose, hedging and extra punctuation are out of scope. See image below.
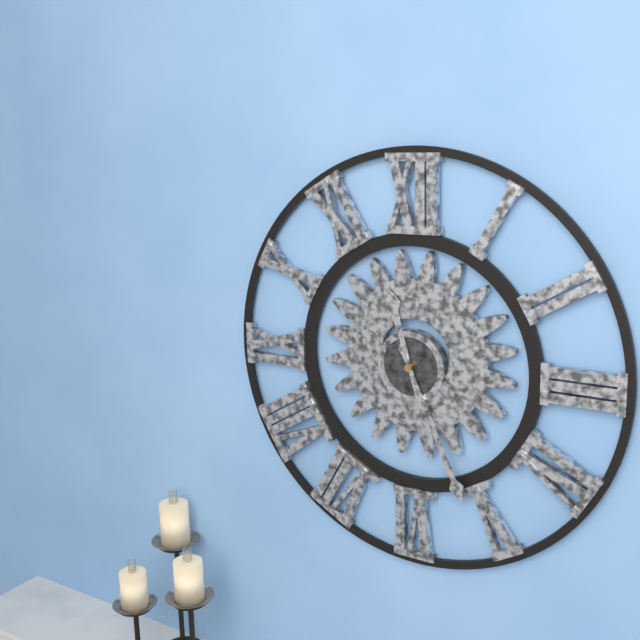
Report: 11.26
